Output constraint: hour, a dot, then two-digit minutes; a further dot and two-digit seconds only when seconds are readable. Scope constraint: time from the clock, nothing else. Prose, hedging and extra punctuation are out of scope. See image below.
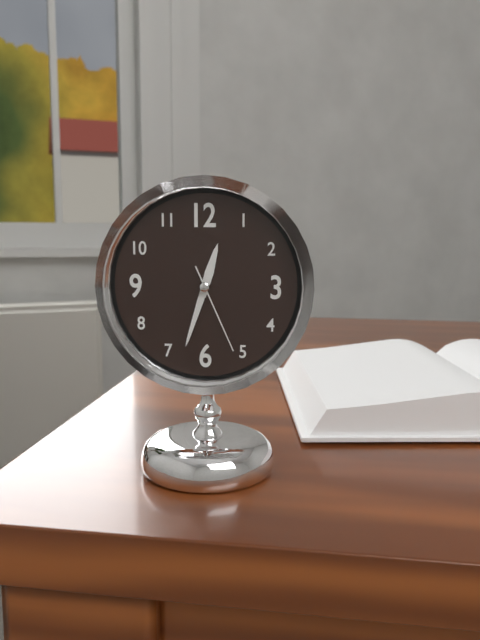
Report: 12.33.26
